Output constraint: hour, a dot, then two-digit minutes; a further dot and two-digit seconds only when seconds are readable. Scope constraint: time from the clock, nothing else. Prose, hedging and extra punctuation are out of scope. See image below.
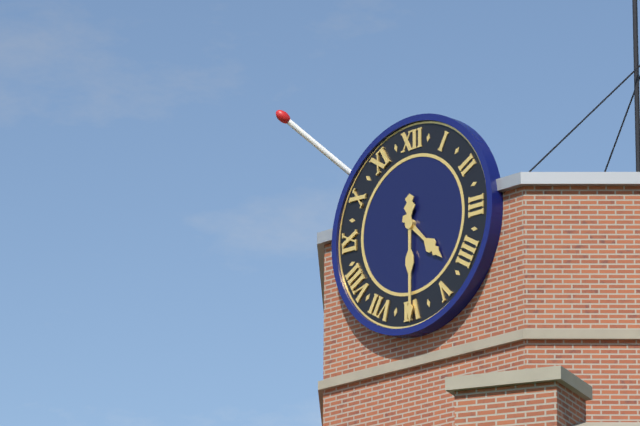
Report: 4.30
